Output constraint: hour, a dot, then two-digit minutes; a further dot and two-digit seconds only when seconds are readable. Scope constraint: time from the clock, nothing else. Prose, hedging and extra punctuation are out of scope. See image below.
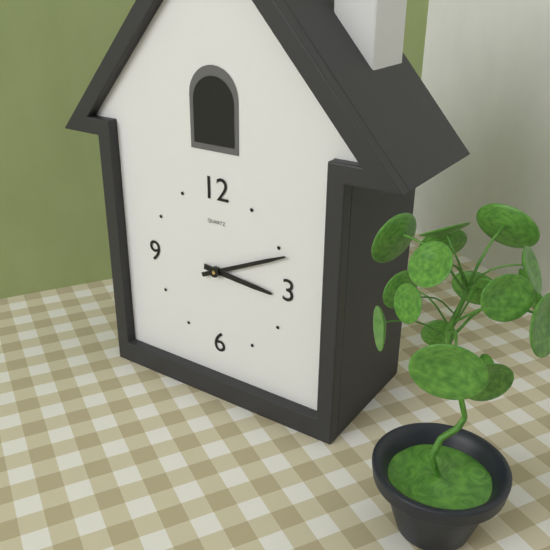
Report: 3.11
